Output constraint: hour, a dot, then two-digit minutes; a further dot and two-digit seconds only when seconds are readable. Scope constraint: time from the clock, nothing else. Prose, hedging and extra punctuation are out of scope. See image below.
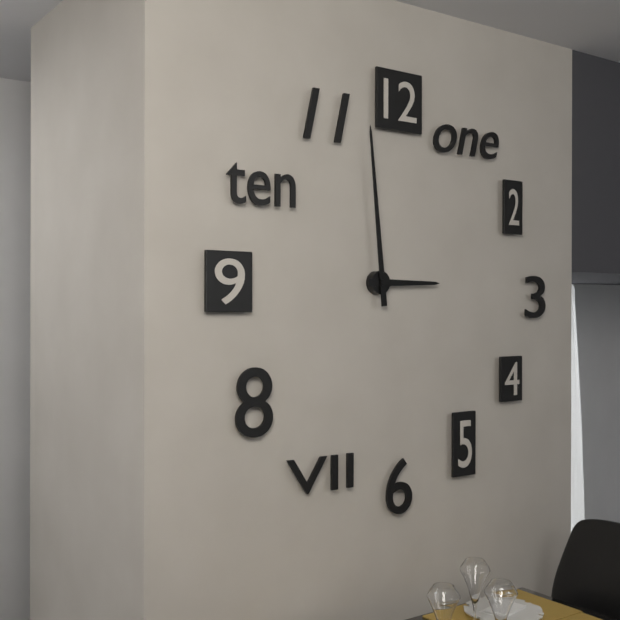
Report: 2.59
